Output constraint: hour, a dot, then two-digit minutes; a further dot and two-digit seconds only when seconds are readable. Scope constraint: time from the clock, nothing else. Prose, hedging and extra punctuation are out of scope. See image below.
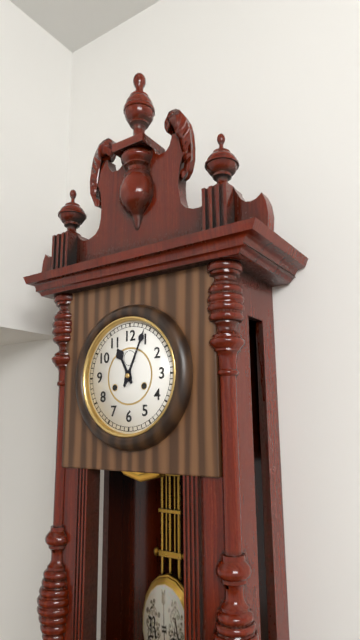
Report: 11.04
